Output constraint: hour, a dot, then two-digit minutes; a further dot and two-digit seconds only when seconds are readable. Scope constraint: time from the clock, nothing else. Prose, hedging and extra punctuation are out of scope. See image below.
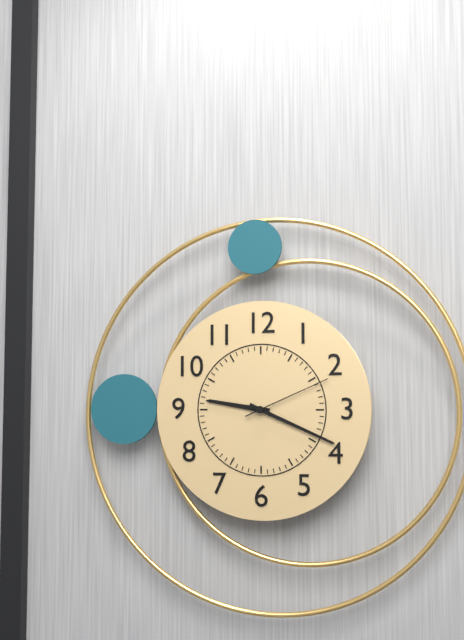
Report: 9.19.11
